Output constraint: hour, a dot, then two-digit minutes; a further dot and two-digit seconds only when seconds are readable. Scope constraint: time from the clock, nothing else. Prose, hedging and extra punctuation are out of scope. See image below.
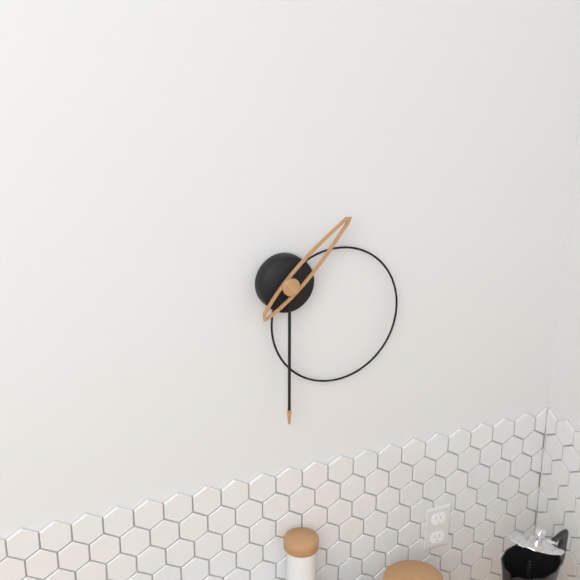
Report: 1.30
